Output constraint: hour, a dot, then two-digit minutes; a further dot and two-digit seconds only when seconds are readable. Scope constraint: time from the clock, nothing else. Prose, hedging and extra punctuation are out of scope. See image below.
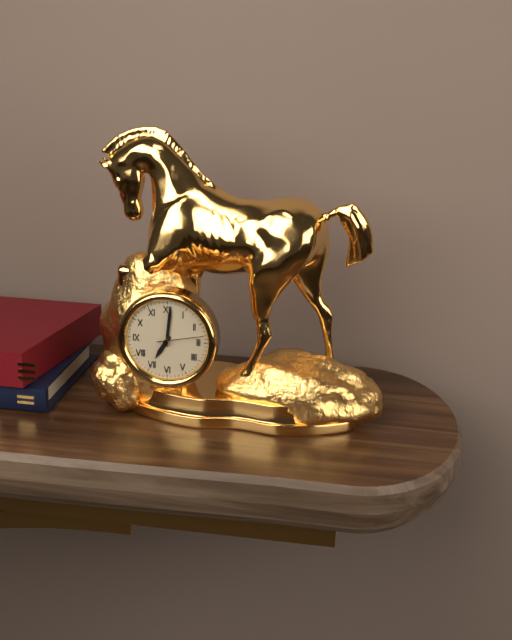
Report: 7.01
